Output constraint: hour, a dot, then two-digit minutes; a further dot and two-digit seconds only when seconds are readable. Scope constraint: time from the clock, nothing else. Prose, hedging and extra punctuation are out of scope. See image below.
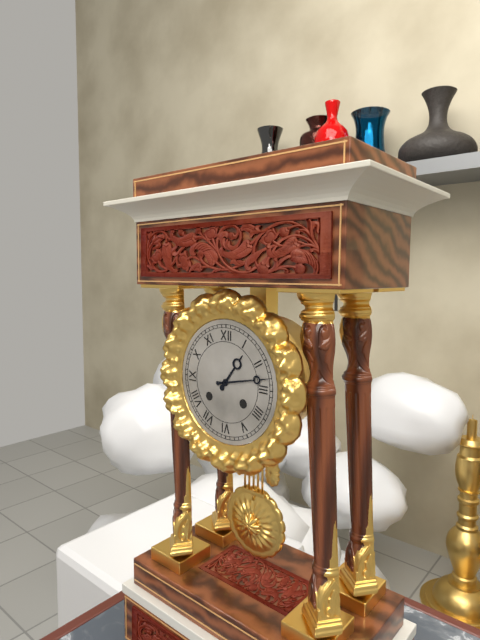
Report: 1.13
